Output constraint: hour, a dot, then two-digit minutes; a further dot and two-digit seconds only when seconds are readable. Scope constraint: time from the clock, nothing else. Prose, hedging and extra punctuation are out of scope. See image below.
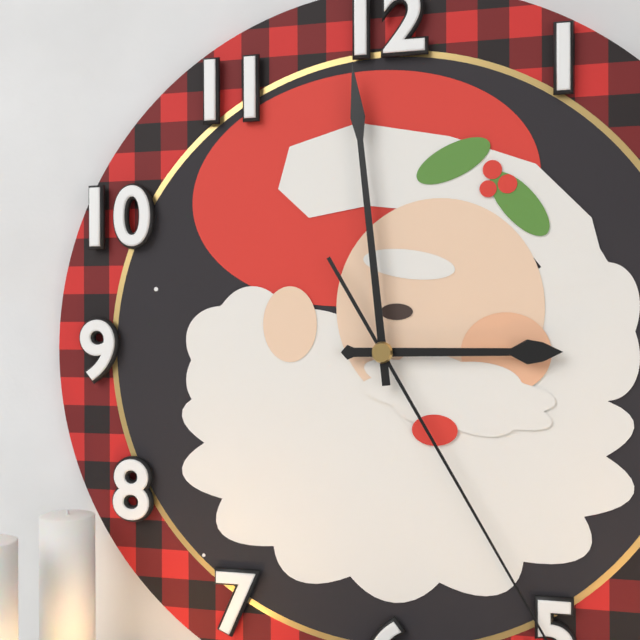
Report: 2.59
